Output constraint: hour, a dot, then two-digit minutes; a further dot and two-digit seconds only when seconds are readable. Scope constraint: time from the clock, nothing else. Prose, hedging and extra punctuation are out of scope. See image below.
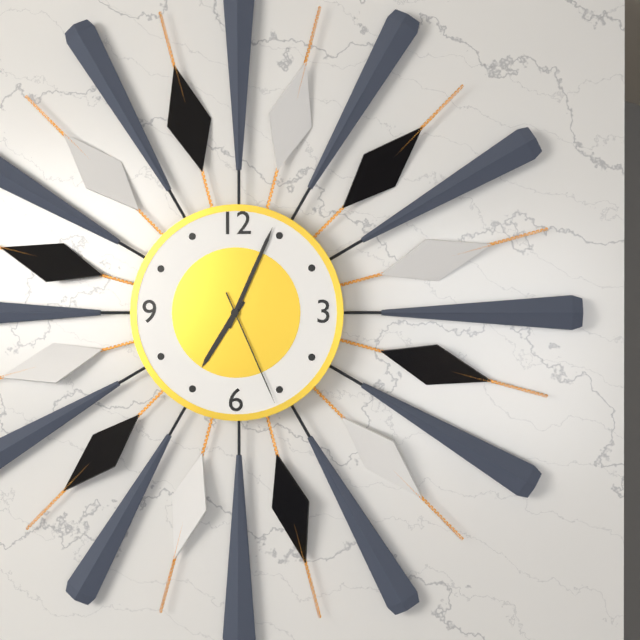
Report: 7.04.26
